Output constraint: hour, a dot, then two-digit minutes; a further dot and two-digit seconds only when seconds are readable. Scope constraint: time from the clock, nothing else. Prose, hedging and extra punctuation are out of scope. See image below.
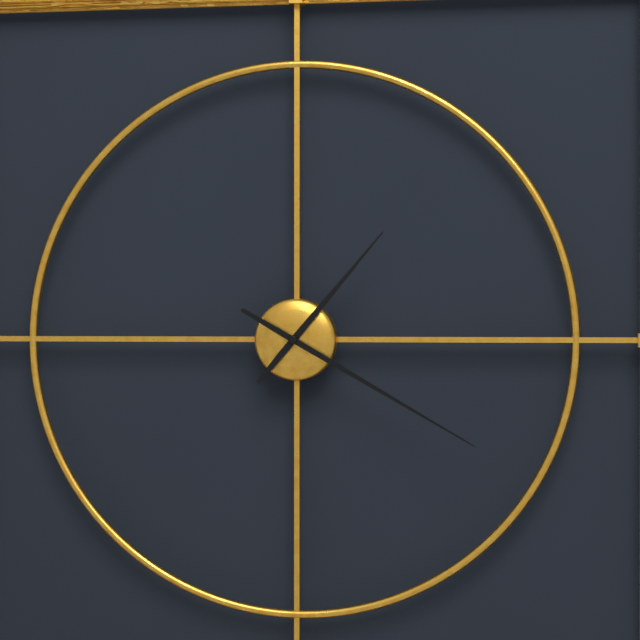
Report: 1.20
